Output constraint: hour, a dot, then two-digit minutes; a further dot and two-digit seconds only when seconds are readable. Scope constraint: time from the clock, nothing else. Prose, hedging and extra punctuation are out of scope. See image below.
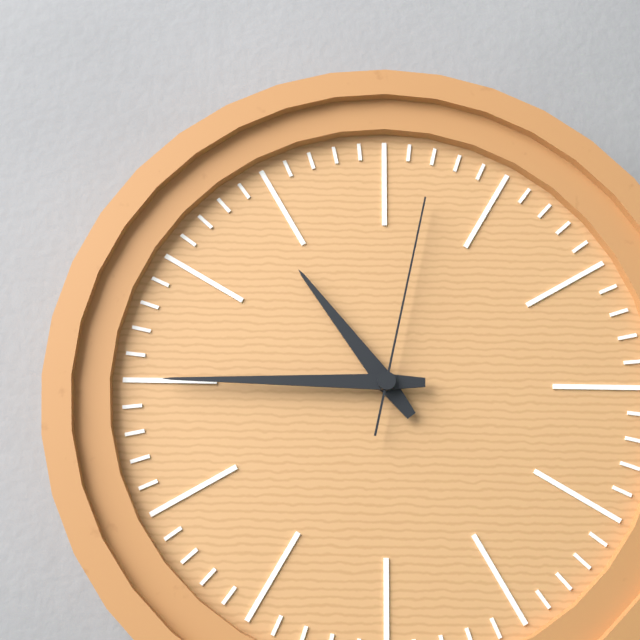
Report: 10.45.02
